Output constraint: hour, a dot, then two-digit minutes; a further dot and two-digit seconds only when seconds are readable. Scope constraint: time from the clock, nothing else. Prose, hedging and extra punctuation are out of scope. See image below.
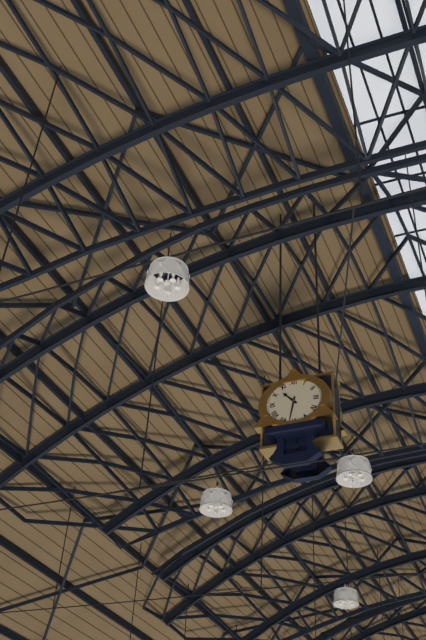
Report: 10.32
